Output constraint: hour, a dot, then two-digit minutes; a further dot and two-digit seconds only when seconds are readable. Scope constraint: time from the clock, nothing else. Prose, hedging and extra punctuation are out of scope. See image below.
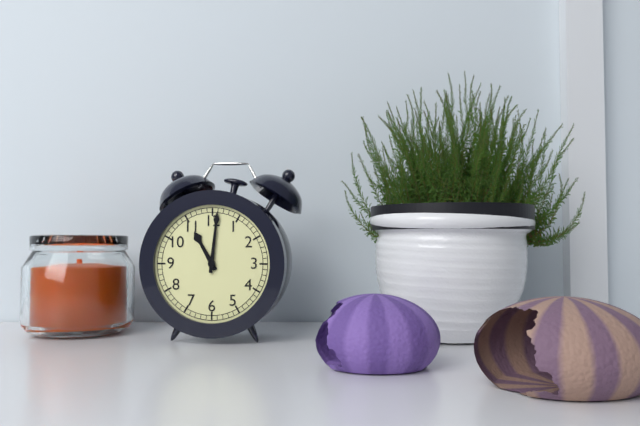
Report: 11.01
